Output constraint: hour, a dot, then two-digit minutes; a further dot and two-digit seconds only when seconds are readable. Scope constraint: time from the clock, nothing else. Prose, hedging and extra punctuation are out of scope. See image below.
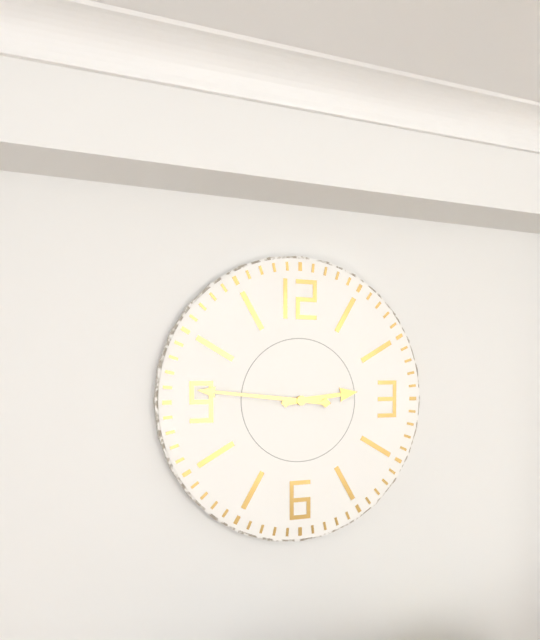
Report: 2.46
